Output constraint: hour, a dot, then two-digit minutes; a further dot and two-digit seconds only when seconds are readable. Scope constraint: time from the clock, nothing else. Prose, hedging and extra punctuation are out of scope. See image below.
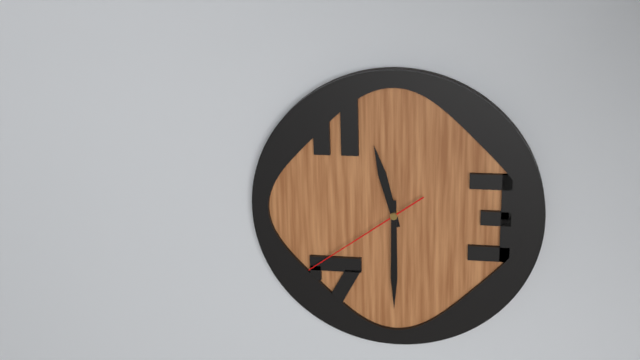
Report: 11.30.39
